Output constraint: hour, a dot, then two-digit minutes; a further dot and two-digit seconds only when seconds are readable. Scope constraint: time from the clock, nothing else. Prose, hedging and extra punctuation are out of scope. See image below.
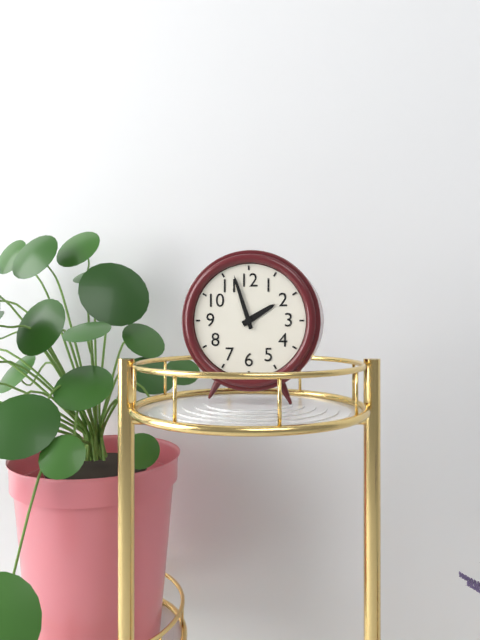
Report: 1.57
